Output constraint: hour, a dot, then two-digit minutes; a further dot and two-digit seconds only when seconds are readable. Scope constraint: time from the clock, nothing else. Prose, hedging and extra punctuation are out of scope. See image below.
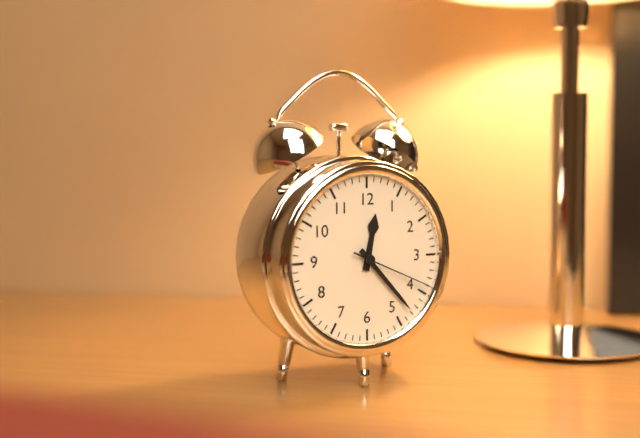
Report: 12.23.19
